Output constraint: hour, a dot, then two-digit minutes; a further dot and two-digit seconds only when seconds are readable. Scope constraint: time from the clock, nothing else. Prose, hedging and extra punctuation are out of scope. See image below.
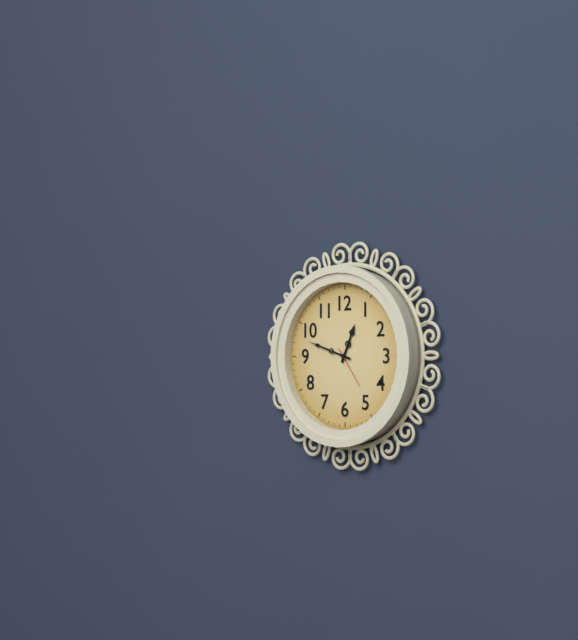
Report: 12.48
